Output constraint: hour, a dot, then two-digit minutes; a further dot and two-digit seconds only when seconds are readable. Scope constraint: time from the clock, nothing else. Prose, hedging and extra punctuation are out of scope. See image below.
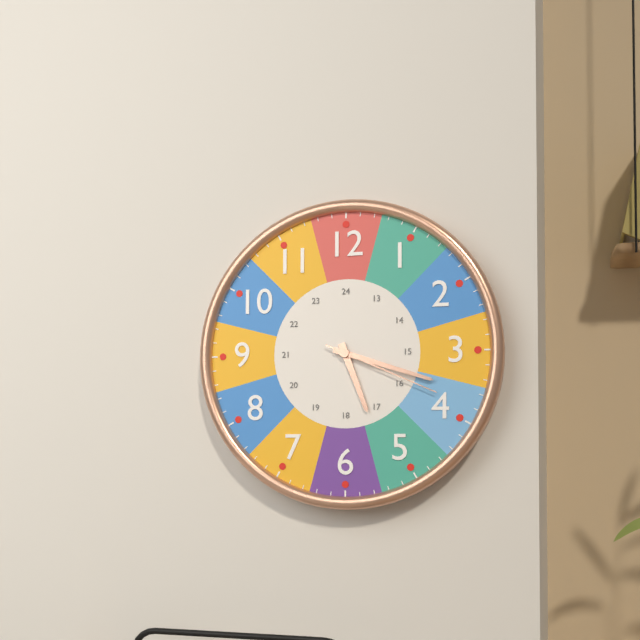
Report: 5.18.19
